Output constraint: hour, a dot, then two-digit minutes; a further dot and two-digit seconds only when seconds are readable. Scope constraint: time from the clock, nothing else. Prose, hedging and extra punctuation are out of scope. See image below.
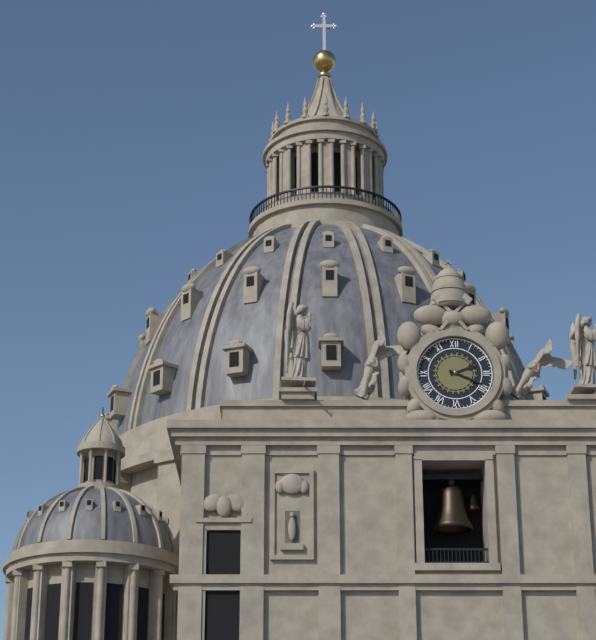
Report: 2.19
